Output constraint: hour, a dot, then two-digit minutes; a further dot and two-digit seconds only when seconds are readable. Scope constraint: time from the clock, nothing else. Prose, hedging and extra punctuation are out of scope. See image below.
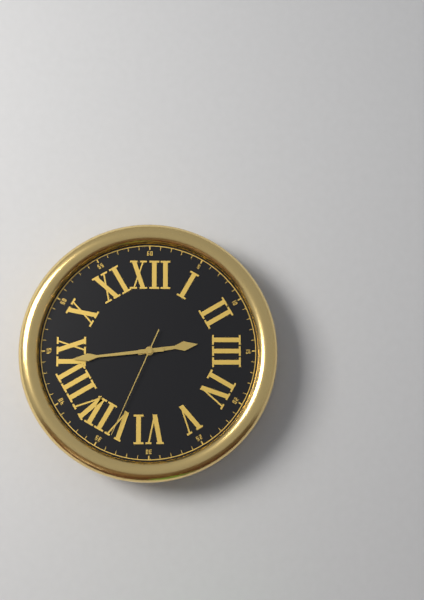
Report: 2.44.34
